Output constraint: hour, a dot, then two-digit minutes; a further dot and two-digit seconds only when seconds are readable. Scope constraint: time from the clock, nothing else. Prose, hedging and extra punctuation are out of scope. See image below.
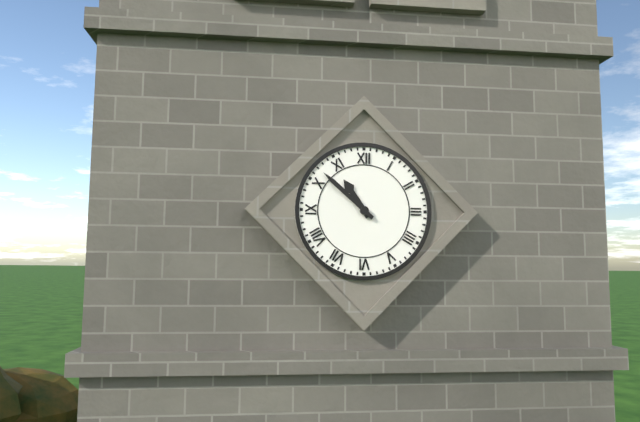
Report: 10.52
